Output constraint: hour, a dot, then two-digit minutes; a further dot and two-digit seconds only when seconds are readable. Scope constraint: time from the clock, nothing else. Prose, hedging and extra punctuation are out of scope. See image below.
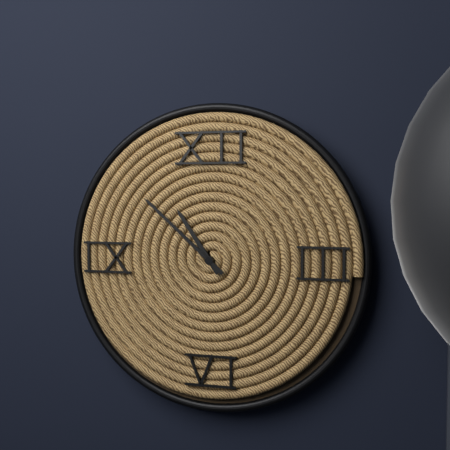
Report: 10.52
